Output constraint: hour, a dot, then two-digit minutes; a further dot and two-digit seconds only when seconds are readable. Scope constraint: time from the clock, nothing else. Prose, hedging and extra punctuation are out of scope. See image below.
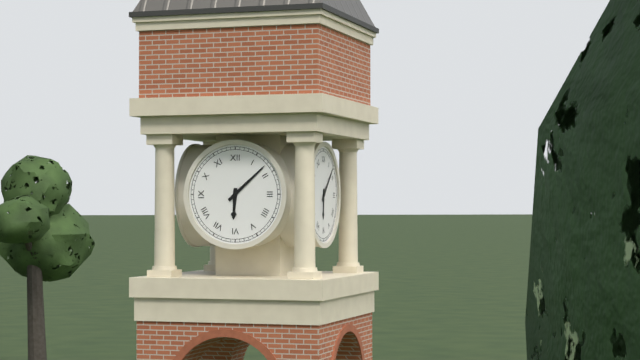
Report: 6.08
